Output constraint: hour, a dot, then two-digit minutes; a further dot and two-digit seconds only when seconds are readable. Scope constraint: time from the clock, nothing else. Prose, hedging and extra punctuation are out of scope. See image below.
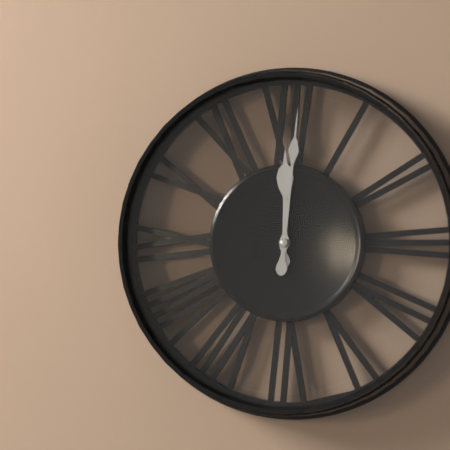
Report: 12.01
